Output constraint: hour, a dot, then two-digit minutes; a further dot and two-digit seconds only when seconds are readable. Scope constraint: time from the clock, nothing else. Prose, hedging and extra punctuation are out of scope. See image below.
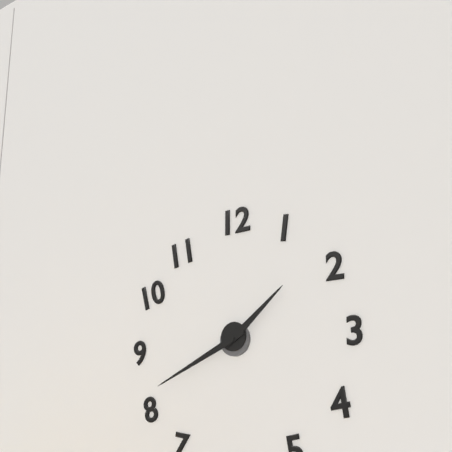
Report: 1.41
